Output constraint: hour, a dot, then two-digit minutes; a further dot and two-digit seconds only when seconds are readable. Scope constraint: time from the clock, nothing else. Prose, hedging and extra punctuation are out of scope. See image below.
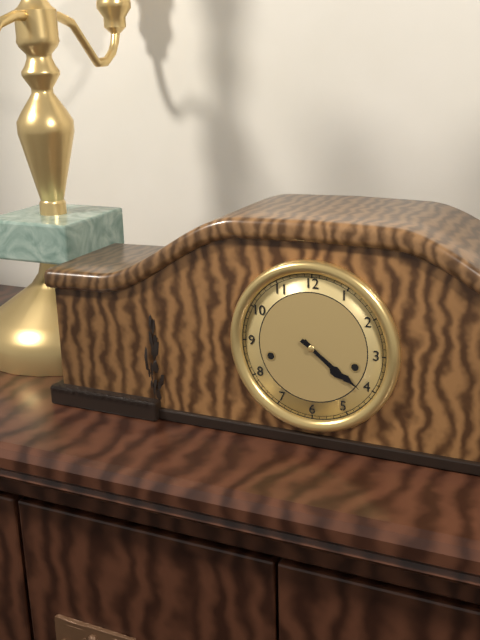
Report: 4.21
